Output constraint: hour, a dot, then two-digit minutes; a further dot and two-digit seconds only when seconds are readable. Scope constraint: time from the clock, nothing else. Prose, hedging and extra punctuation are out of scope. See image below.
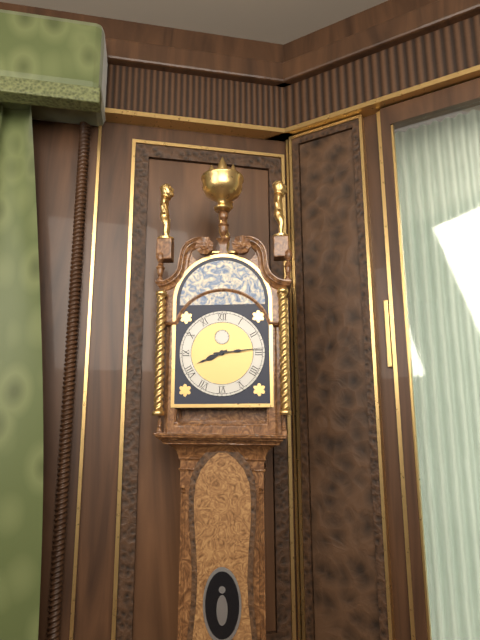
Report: 8.14
